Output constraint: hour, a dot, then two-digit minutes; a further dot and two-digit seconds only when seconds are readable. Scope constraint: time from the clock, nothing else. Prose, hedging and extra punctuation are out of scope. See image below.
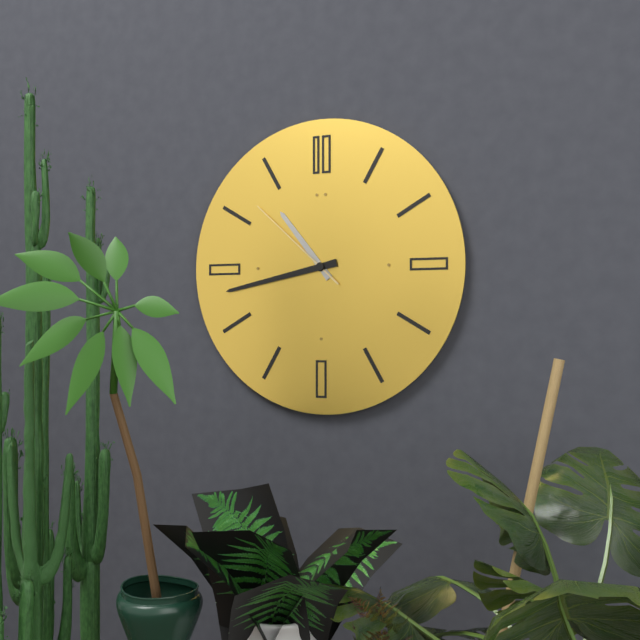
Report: 10.43.52
